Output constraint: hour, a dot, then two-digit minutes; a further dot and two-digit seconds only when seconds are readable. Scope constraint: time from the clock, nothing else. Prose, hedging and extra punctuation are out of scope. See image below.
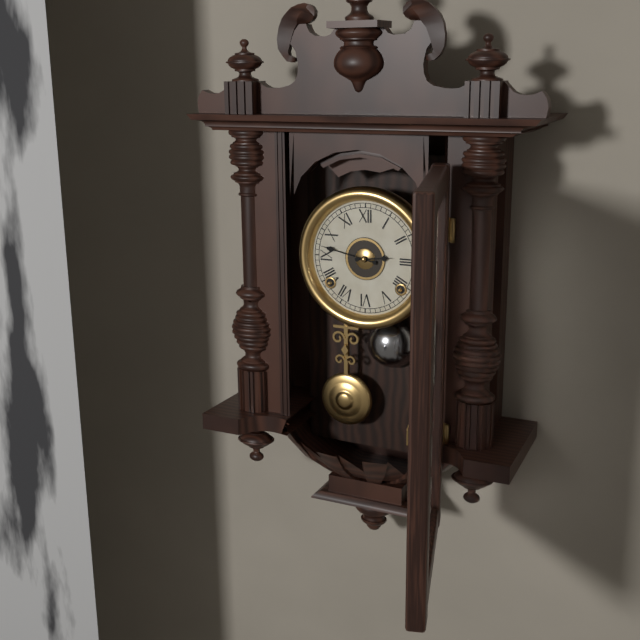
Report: 2.47
